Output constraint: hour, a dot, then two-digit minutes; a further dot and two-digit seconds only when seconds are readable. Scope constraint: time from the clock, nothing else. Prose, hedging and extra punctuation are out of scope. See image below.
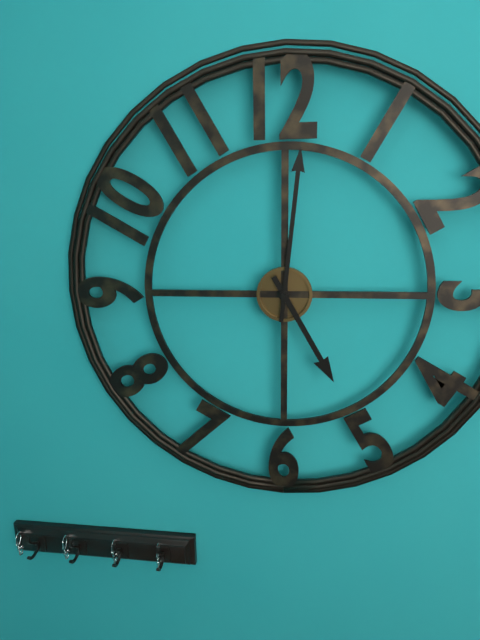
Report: 5.01
